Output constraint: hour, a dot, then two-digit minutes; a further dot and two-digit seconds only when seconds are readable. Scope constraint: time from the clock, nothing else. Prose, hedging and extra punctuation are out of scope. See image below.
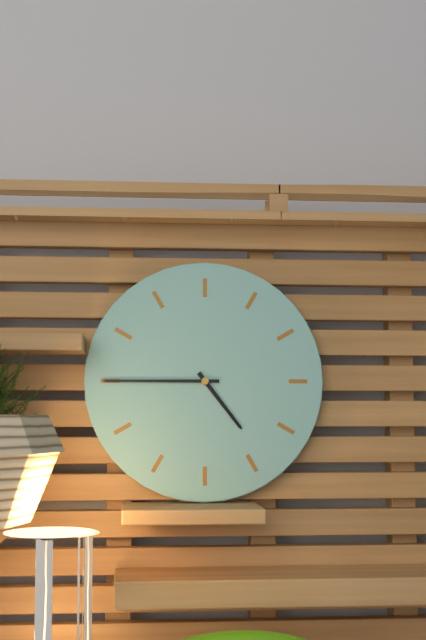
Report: 4.45
